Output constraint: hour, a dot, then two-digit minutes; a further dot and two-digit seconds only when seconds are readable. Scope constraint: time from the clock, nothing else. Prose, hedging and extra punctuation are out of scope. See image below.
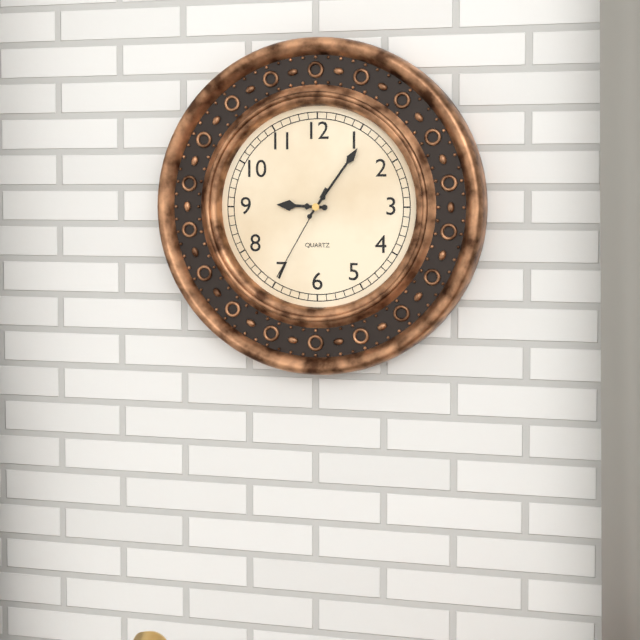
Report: 9.06.35
